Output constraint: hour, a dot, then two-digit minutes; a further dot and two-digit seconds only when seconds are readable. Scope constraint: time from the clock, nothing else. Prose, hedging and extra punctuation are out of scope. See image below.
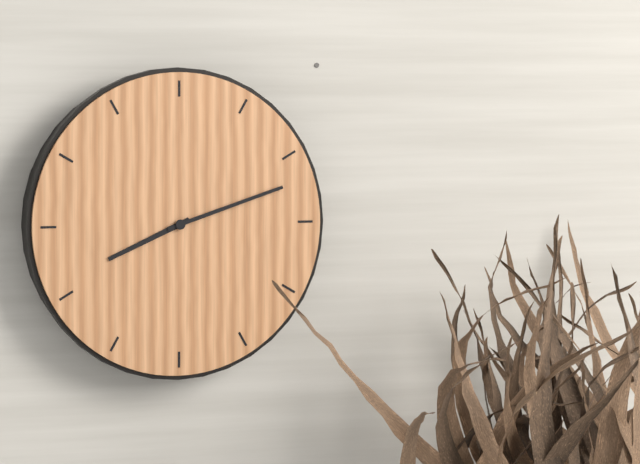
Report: 8.12
